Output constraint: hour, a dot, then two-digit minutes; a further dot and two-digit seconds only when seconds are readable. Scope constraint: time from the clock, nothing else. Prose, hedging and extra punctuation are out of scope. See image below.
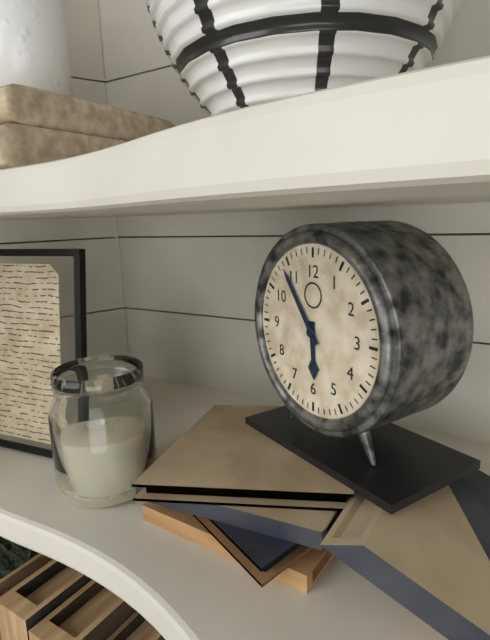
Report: 5.54
